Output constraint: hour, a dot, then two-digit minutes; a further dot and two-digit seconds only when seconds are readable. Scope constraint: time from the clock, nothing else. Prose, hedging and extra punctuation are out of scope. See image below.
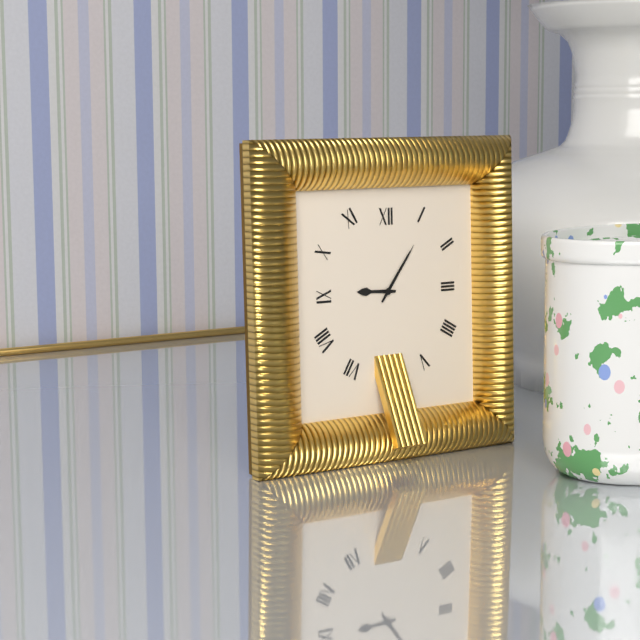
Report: 9.06
